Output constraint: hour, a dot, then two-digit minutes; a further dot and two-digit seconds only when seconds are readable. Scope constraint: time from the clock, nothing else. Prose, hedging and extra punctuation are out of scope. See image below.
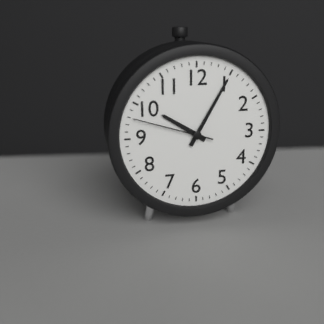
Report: 10.05.48
